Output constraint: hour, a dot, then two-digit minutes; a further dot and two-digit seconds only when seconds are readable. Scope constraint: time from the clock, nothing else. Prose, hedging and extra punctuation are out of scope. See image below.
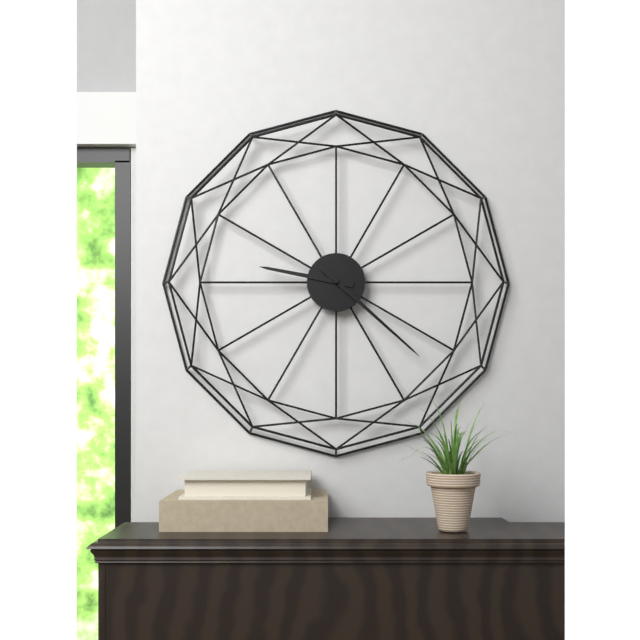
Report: 9.22
